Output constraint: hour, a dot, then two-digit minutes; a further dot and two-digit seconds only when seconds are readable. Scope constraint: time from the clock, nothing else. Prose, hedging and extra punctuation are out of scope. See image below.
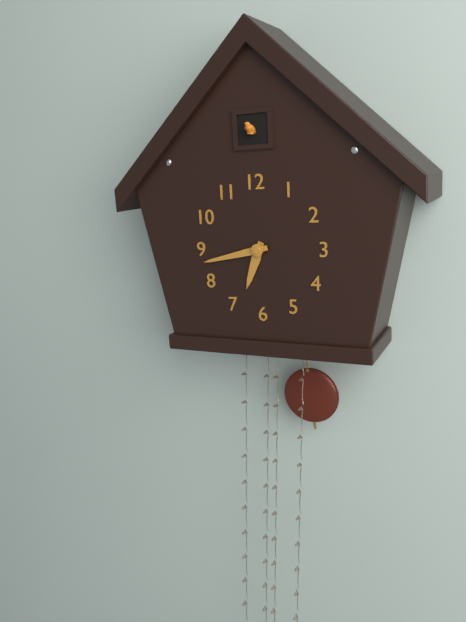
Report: 6.43
